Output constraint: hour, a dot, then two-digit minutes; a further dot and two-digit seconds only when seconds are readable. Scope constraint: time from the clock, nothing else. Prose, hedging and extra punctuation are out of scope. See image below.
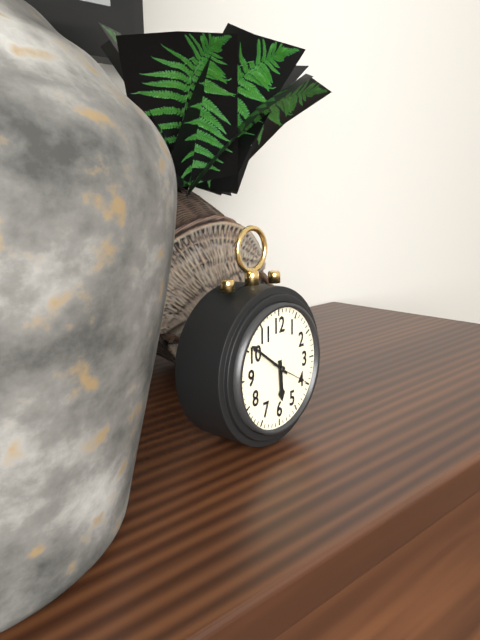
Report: 5.51
